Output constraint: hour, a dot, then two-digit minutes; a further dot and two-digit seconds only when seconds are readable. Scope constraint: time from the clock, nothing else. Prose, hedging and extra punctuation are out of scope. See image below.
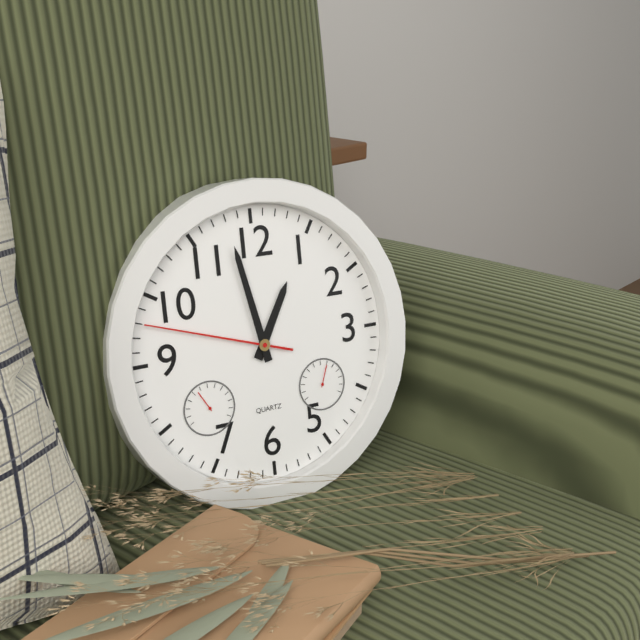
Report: 12.58.48
